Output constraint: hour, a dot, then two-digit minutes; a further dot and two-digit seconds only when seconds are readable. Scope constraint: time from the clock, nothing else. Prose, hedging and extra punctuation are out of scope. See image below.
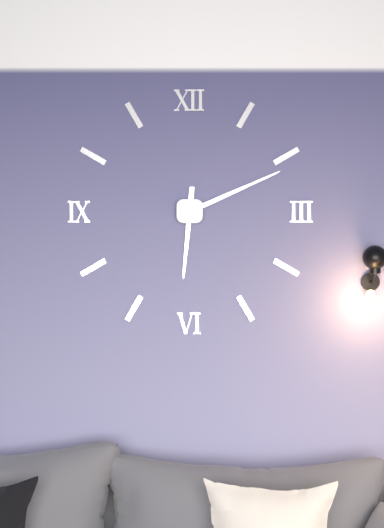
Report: 6.11
